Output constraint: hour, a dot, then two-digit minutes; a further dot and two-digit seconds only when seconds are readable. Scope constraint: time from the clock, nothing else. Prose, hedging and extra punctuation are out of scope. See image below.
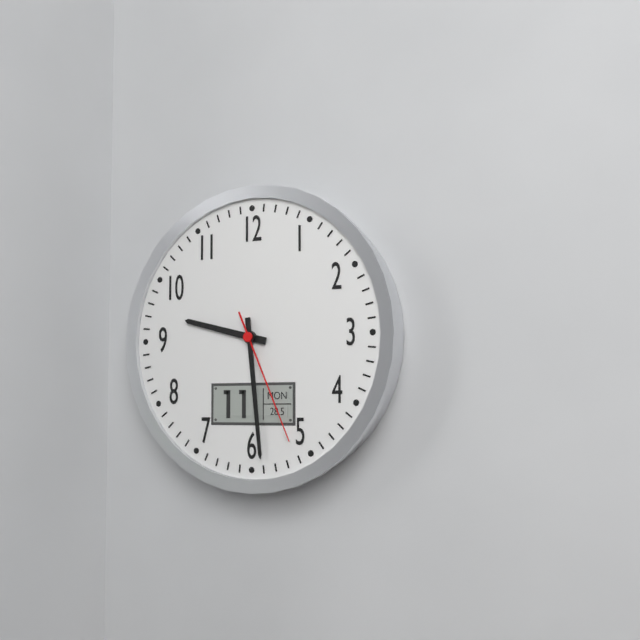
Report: 9.29.26
